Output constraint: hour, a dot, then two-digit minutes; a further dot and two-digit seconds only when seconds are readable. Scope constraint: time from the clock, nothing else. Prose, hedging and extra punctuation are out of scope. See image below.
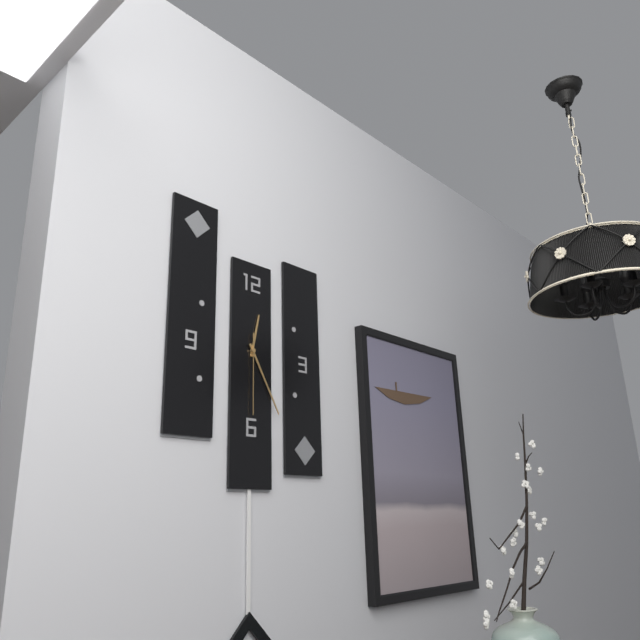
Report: 12.25.30
